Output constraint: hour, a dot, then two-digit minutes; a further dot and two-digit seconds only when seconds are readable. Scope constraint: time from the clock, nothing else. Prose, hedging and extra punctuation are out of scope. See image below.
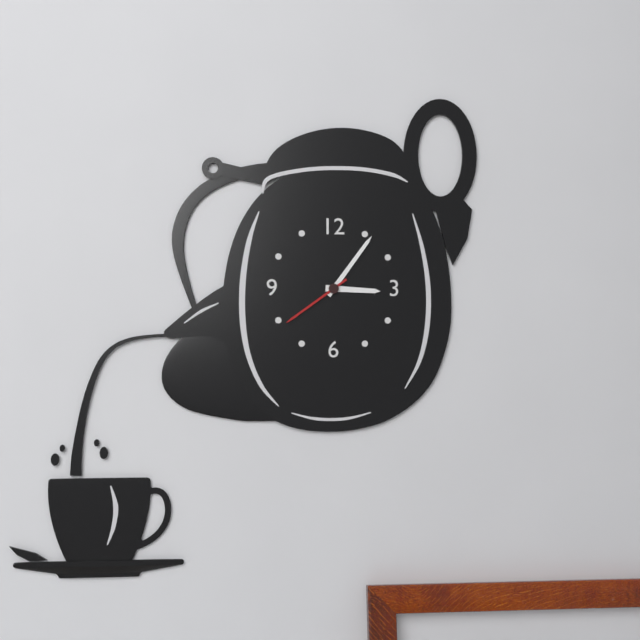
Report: 3.06.39
